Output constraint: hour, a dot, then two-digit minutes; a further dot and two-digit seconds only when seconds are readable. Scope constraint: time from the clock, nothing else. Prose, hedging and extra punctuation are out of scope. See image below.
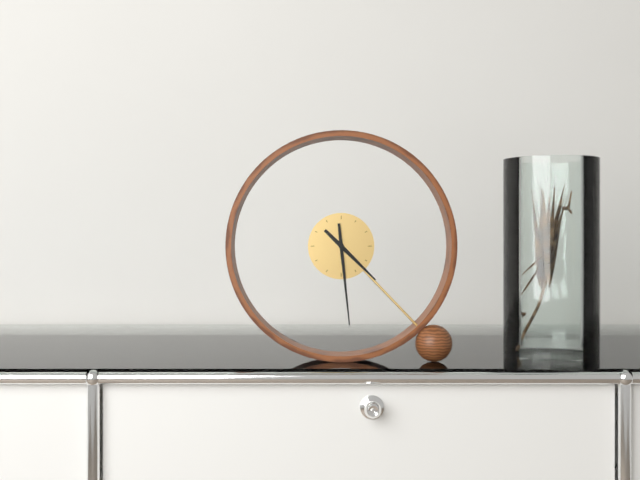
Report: 4.29
